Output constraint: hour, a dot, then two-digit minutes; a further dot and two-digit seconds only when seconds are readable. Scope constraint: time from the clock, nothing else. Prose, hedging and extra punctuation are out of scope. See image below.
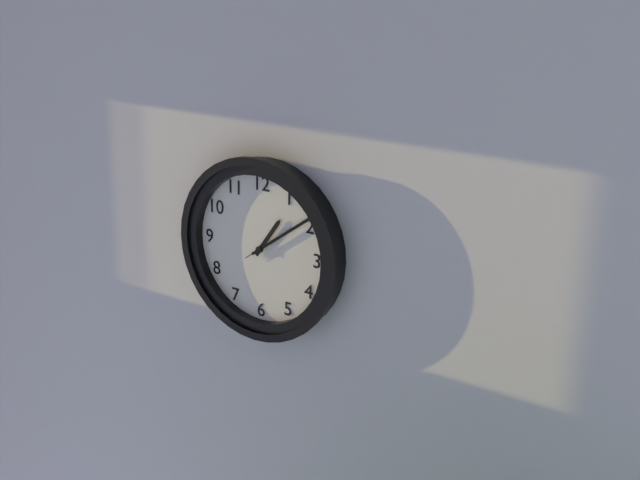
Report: 1.09.09
